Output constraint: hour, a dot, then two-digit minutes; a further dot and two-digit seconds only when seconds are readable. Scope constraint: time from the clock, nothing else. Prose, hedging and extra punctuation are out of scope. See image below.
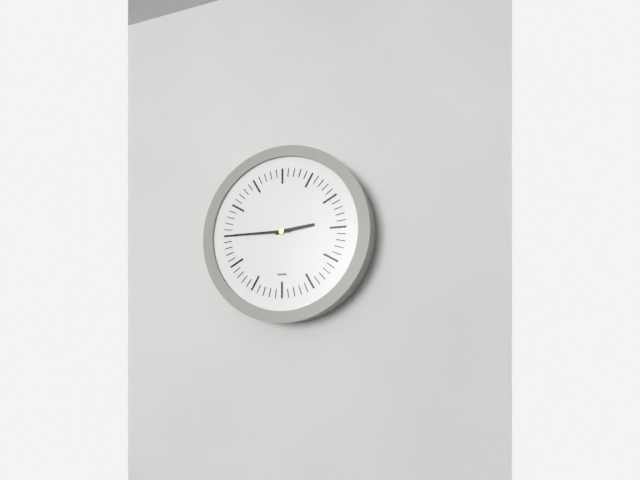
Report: 2.45
